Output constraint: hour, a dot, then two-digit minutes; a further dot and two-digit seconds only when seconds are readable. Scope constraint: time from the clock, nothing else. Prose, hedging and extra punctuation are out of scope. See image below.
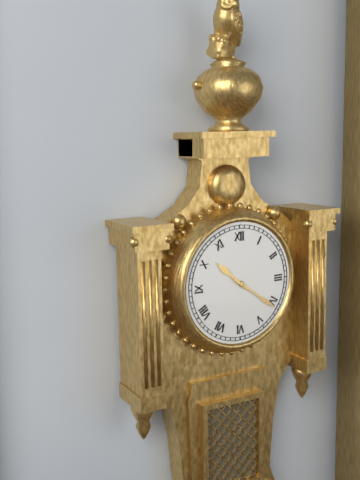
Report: 10.21
